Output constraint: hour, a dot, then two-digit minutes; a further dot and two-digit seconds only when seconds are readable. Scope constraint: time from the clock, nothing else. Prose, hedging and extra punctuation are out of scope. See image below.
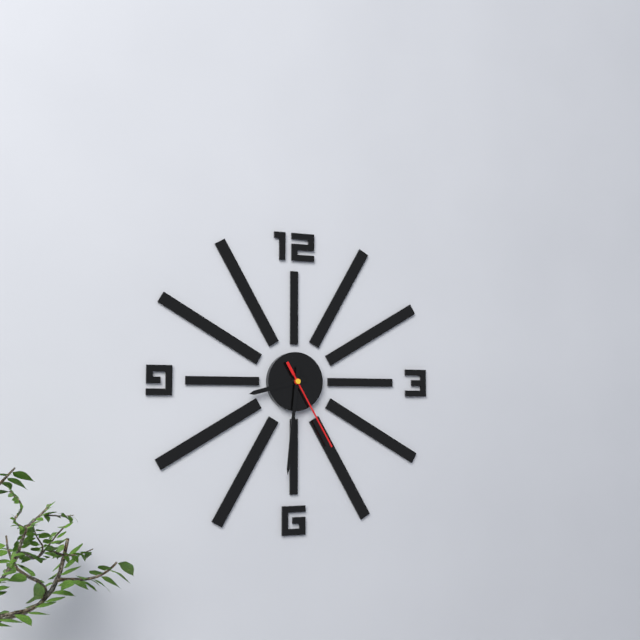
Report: 8.31.25
